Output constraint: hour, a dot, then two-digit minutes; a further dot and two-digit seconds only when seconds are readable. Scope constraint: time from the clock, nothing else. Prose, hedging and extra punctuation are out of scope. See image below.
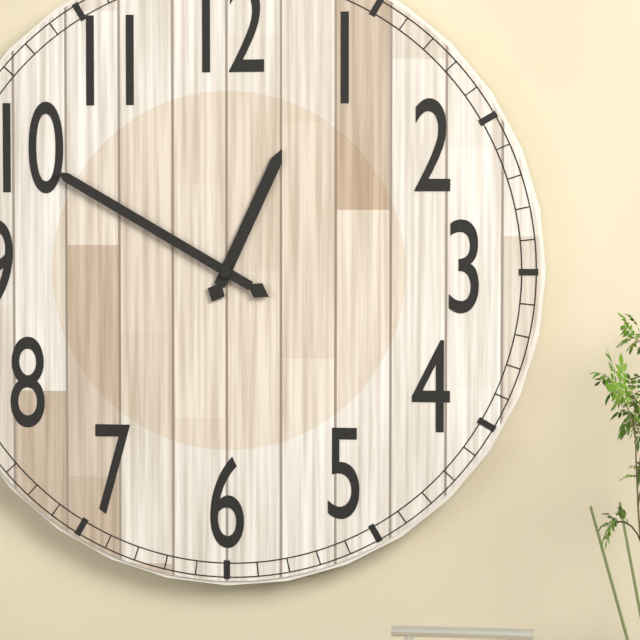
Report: 12.50
